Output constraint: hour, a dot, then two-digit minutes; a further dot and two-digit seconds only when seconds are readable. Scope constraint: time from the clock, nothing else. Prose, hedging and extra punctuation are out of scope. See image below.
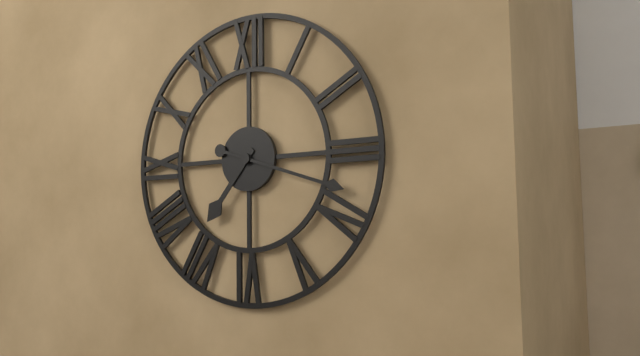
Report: 7.18
